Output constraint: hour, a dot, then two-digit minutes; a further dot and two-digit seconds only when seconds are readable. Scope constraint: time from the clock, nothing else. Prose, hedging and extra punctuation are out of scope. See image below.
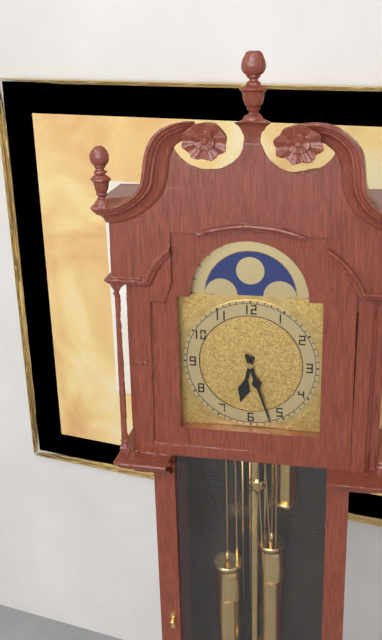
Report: 6.27
